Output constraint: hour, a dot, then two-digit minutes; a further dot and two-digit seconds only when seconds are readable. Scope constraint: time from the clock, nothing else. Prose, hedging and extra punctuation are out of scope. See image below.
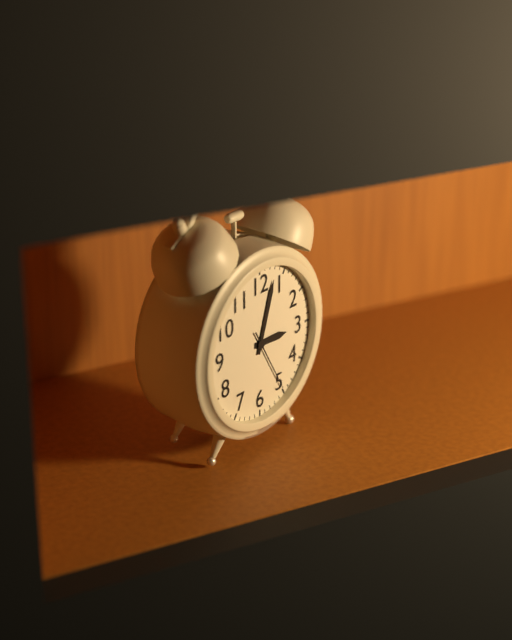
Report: 3.03.25
